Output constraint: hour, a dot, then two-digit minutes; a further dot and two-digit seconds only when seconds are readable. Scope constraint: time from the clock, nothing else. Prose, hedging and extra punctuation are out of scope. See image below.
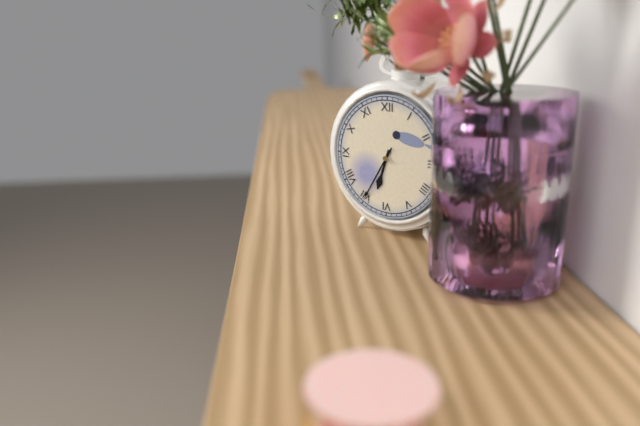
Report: 6.35
